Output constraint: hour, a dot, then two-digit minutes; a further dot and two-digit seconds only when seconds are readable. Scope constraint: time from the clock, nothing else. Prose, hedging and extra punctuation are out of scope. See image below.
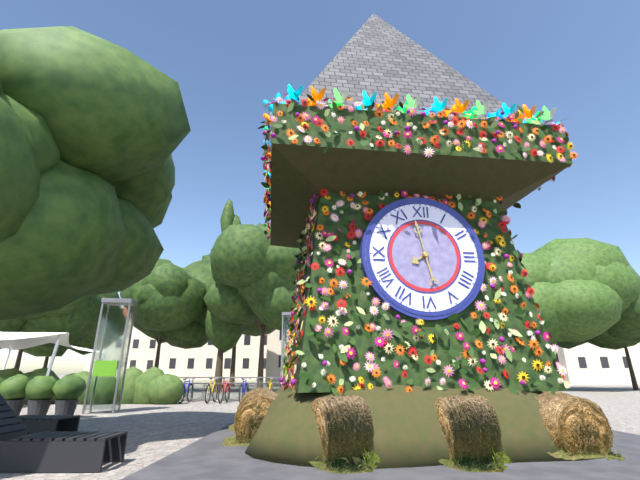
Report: 7.58
